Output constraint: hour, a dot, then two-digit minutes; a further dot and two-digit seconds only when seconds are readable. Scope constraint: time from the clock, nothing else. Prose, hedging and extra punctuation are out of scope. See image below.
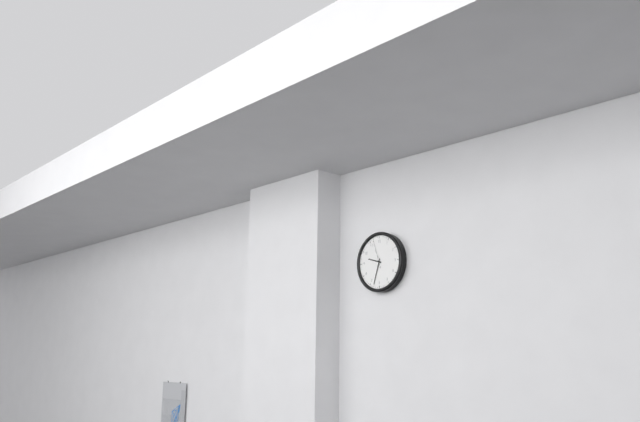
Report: 9.33
